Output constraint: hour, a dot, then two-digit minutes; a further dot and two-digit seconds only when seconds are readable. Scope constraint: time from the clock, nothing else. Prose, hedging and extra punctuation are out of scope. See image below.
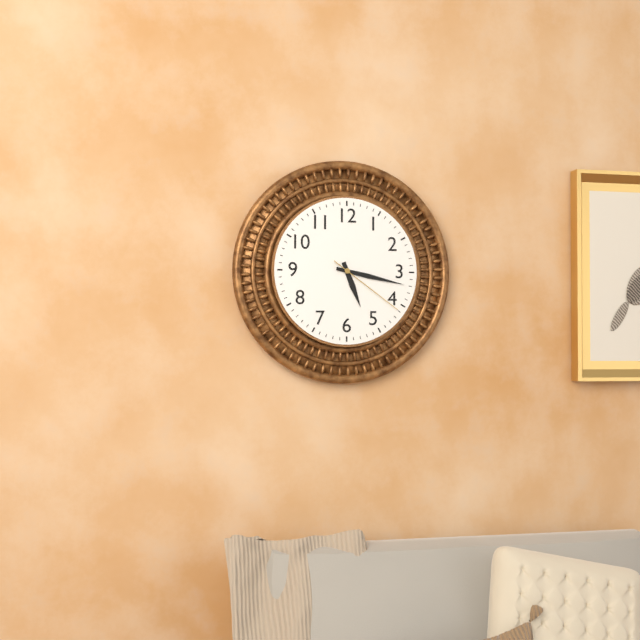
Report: 5.17.21
